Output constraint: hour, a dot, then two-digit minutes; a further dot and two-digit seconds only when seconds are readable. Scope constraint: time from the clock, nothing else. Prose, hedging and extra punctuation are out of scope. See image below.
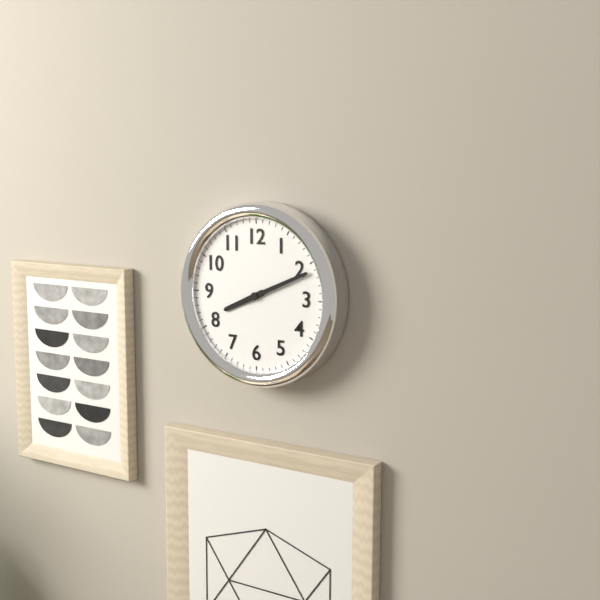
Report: 8.11
